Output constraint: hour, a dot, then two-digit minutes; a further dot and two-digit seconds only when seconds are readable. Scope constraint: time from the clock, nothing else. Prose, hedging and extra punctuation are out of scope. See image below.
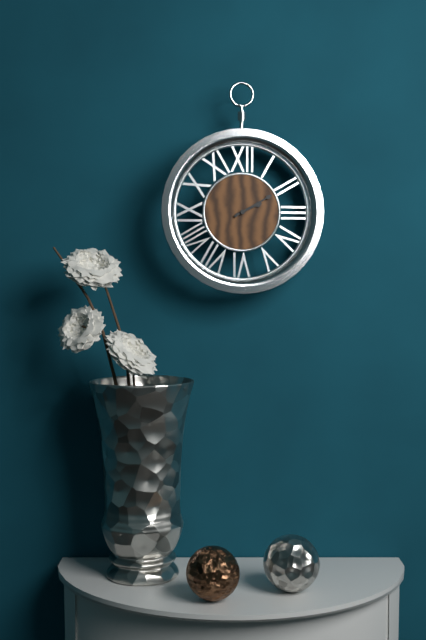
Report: 2.10
